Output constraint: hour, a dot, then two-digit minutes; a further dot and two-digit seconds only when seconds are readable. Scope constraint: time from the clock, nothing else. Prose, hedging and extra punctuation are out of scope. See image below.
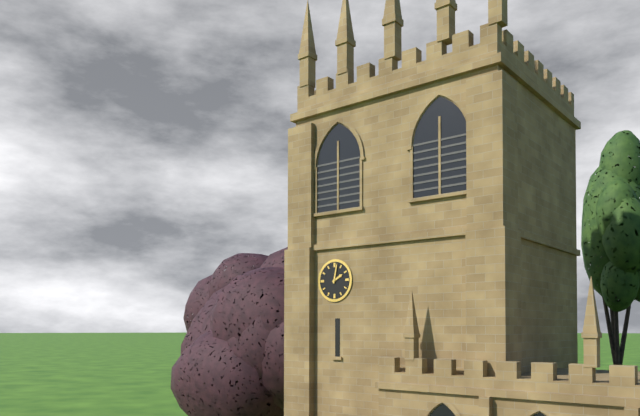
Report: 2.02
